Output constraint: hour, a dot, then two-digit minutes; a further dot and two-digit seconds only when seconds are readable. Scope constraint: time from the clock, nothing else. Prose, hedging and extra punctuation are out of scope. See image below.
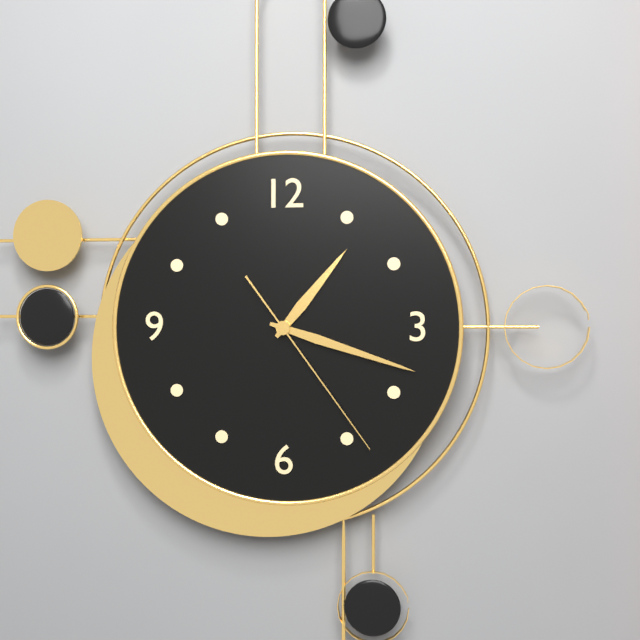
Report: 1.18.24
